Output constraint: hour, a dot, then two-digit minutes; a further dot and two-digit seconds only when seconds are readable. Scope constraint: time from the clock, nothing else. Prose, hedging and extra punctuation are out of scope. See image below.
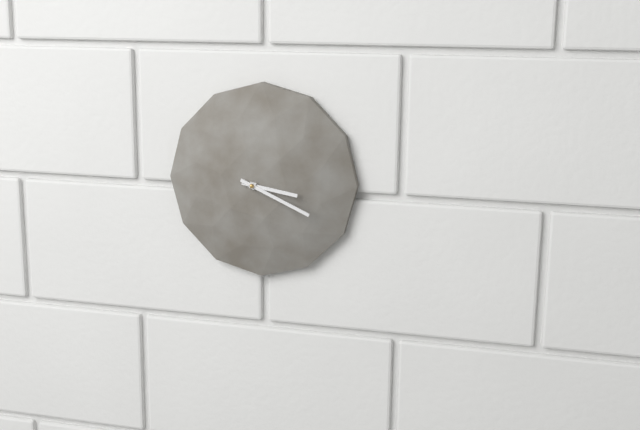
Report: 3.19
